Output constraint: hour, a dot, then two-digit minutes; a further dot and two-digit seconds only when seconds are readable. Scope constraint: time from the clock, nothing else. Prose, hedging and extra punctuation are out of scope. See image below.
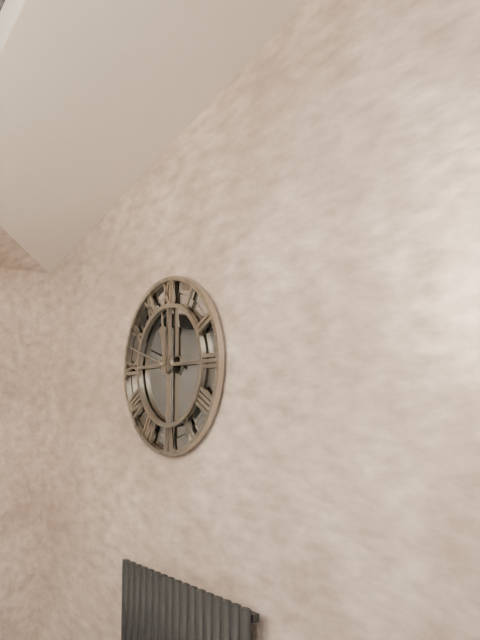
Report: 11.48
